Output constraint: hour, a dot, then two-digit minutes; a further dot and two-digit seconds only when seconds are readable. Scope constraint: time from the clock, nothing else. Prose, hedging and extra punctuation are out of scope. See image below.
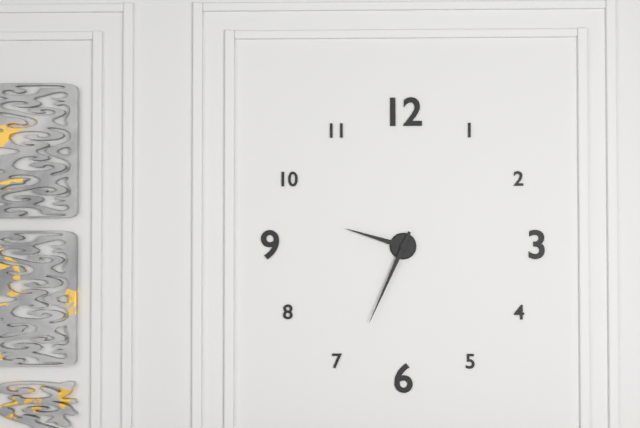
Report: 9.34
